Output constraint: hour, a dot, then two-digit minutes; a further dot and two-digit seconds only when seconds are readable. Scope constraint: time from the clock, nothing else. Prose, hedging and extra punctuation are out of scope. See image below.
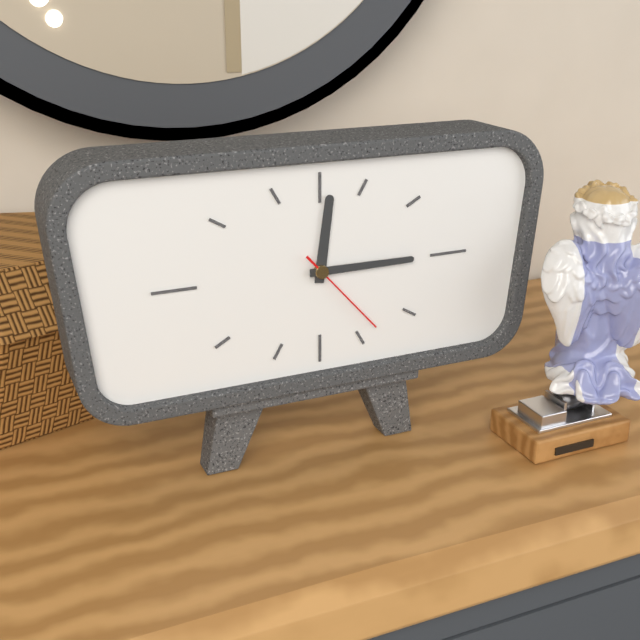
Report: 12.15.23
